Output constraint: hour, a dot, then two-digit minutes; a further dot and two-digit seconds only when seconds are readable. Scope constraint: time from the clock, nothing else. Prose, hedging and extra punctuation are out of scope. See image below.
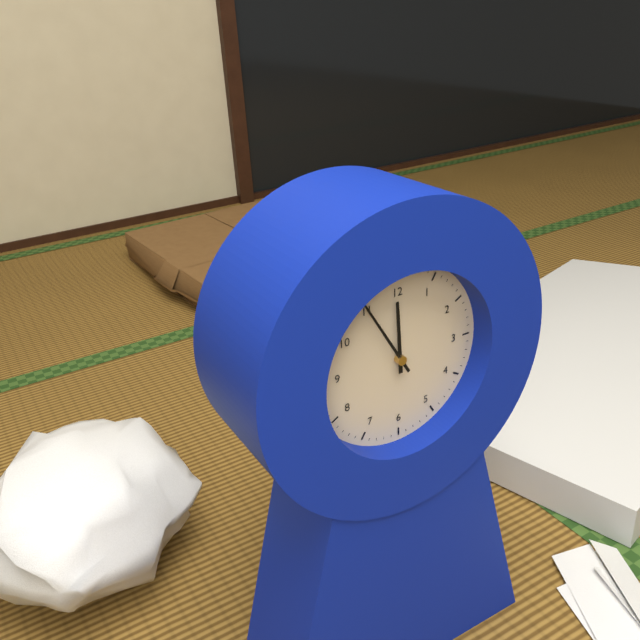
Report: 11.55
